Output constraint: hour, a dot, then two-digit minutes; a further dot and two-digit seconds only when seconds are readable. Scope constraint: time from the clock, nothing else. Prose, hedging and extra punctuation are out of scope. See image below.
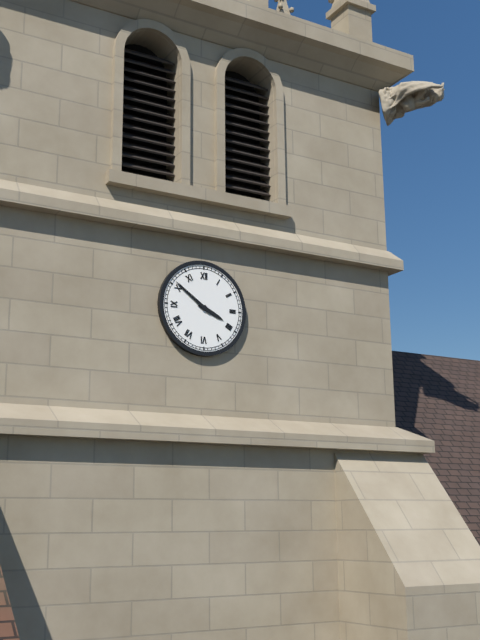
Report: 3.51
